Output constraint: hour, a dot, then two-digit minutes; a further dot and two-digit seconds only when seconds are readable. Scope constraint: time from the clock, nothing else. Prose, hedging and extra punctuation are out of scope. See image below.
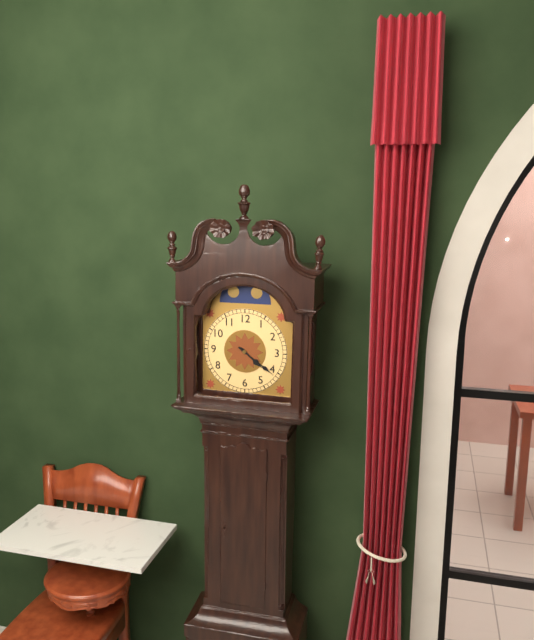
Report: 4.21
